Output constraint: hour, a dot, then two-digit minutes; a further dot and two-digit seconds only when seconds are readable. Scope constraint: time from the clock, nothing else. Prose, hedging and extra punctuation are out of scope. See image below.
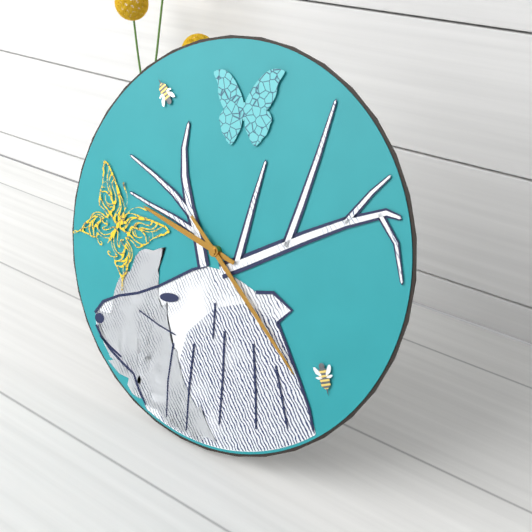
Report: 9.21
